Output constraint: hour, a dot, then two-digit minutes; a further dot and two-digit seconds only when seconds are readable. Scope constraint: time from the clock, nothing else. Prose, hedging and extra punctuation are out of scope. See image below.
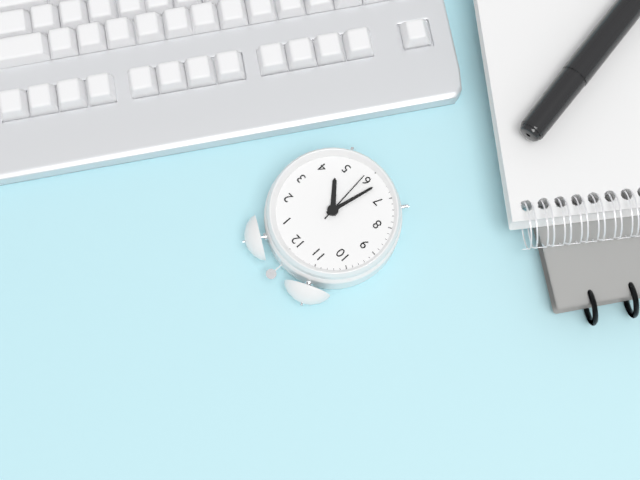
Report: 4.32.29
